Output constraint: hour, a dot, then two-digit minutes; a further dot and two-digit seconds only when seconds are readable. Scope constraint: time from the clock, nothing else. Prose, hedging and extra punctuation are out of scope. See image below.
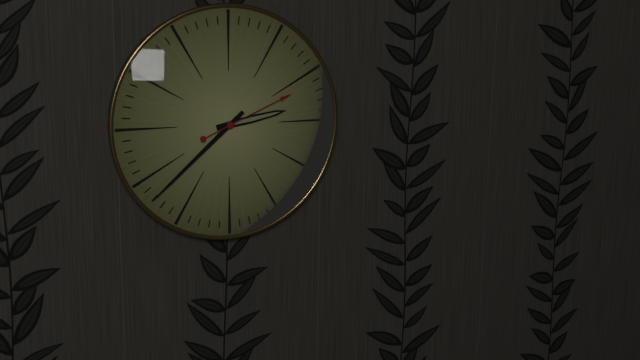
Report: 2.38.11
